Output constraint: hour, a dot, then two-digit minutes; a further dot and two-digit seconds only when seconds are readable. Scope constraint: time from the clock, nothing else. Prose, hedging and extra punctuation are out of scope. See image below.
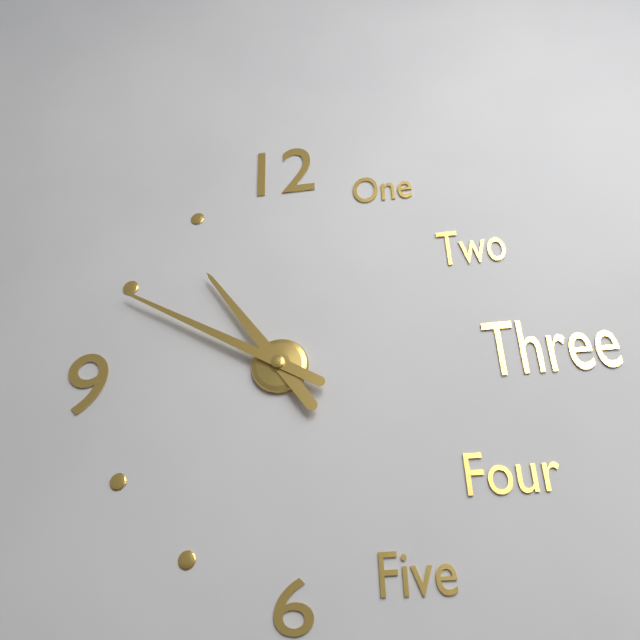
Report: 10.50
